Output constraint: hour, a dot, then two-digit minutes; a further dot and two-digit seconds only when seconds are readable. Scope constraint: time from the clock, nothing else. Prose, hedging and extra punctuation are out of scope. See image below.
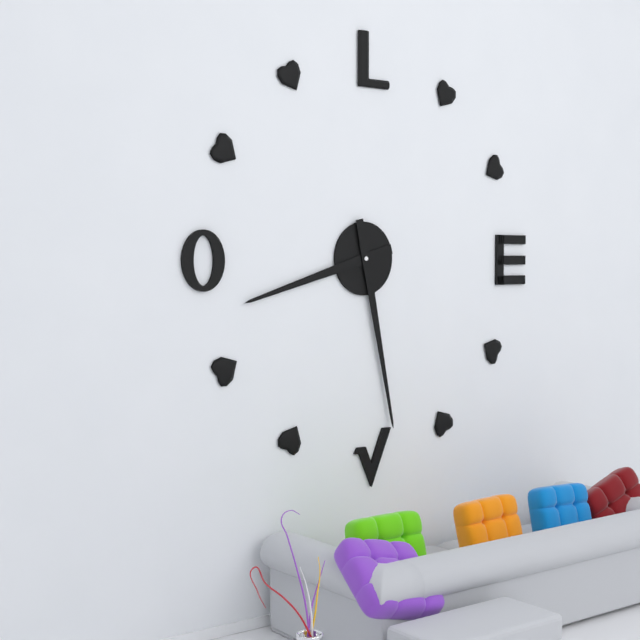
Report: 8.28
